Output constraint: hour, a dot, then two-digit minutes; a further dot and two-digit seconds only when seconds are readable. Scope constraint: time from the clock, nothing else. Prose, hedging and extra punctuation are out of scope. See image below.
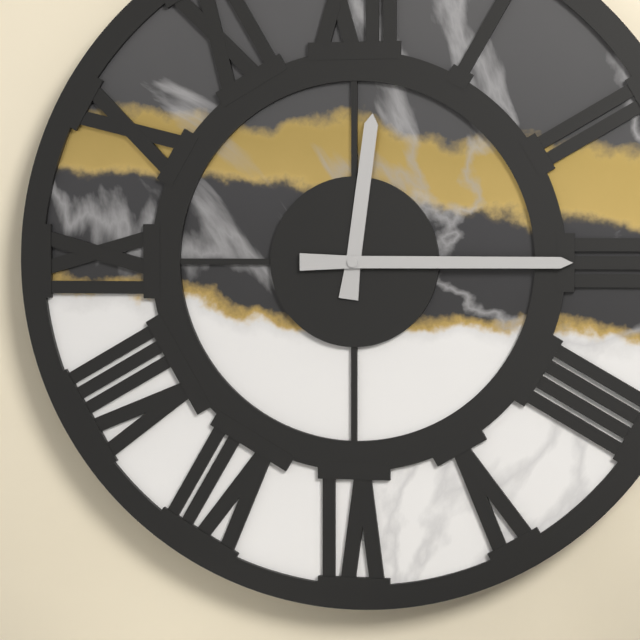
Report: 12.15
